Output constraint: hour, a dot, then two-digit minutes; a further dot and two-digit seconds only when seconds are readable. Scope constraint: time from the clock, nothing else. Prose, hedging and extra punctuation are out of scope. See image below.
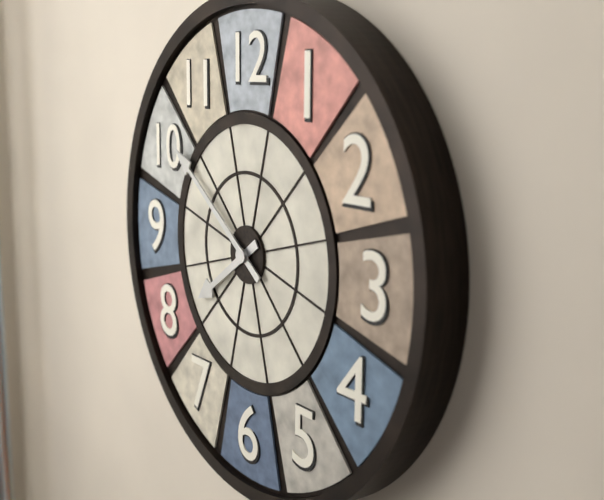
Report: 7.51
